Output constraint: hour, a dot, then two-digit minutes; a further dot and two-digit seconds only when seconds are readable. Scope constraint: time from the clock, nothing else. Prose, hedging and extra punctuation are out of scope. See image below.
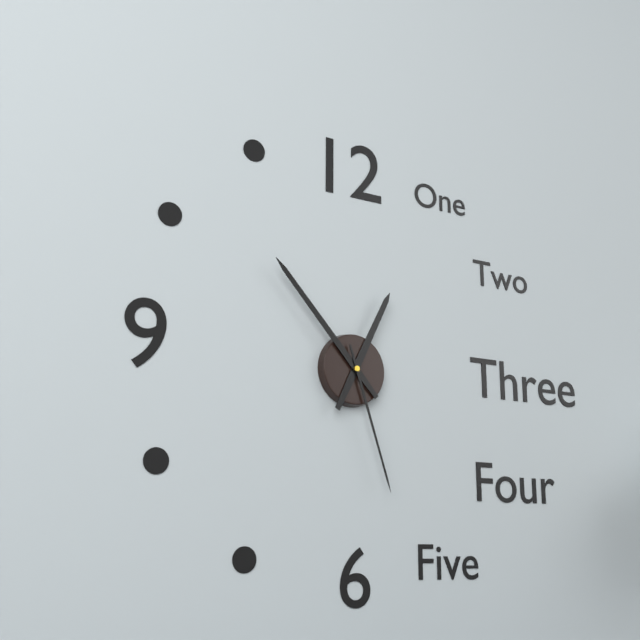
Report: 12.53.27
